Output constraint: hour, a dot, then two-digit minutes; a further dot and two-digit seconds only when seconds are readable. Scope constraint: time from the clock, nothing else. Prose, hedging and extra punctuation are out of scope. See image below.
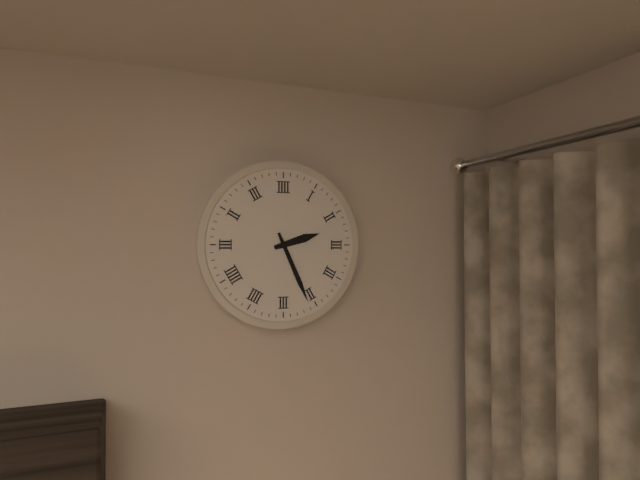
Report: 2.26
